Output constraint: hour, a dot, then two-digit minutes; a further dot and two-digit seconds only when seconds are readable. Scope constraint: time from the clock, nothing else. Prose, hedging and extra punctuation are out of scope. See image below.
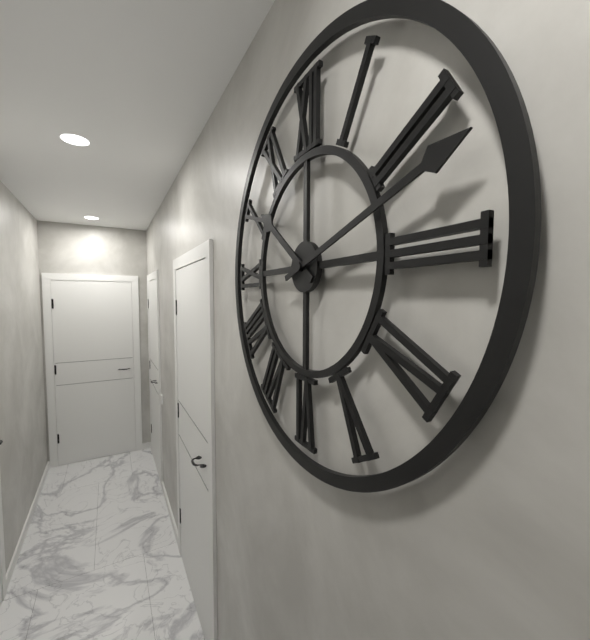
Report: 10.12
